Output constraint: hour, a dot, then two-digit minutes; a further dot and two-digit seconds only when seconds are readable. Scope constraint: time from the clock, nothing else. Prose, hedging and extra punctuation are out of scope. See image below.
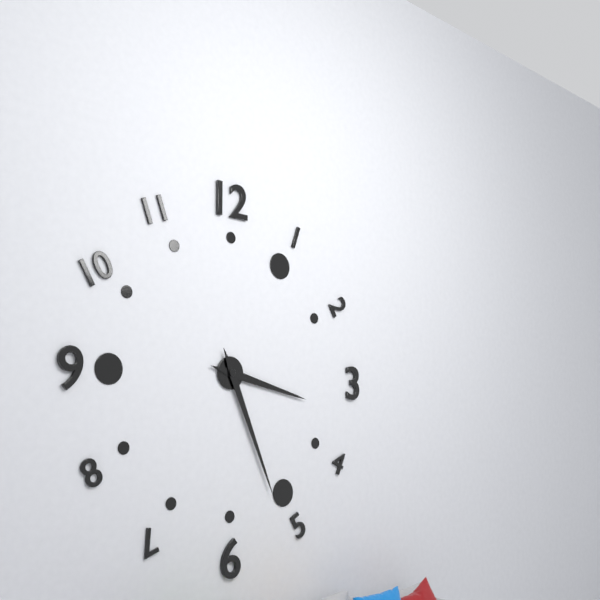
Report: 3.26
